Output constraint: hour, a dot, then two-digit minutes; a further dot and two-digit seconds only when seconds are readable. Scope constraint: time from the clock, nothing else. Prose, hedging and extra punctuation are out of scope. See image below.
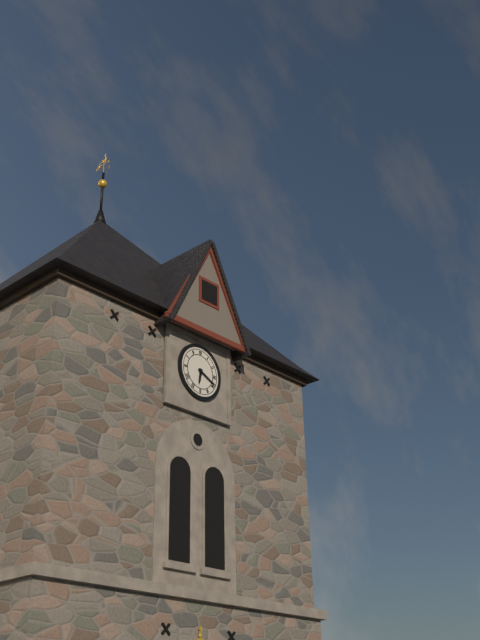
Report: 6.19
